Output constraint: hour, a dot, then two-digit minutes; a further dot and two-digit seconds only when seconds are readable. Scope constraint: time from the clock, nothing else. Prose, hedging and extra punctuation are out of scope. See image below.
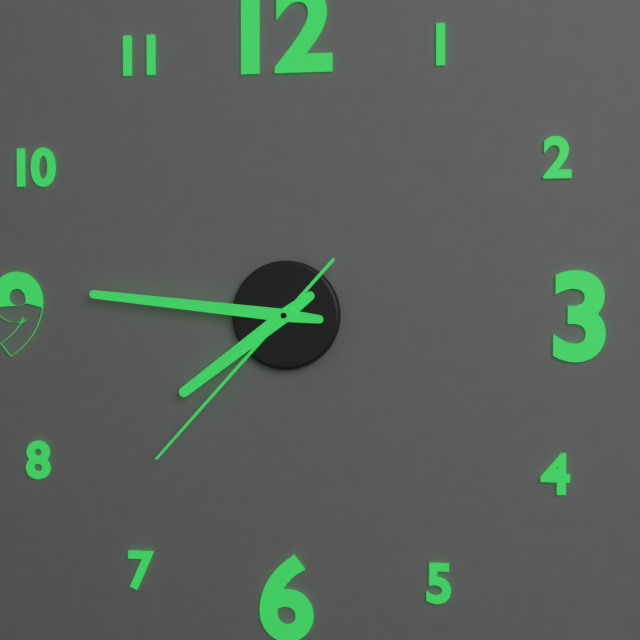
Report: 7.46.37
